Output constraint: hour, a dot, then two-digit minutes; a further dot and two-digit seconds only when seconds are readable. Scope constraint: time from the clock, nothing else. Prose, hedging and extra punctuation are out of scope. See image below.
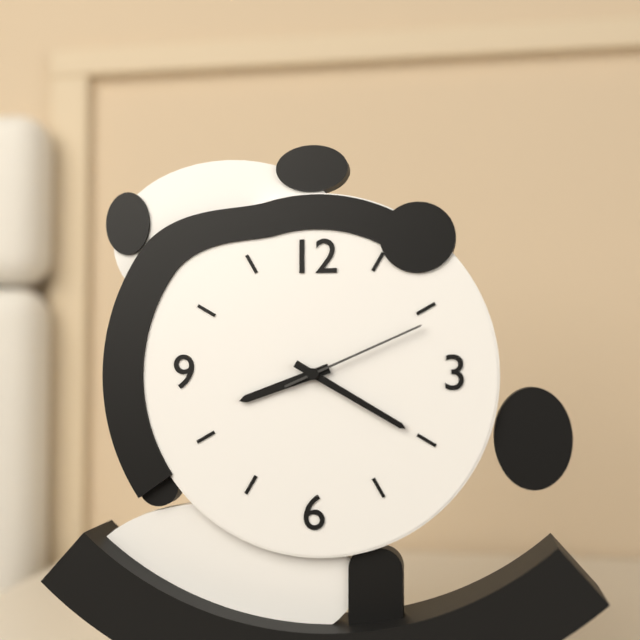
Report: 8.20.11
